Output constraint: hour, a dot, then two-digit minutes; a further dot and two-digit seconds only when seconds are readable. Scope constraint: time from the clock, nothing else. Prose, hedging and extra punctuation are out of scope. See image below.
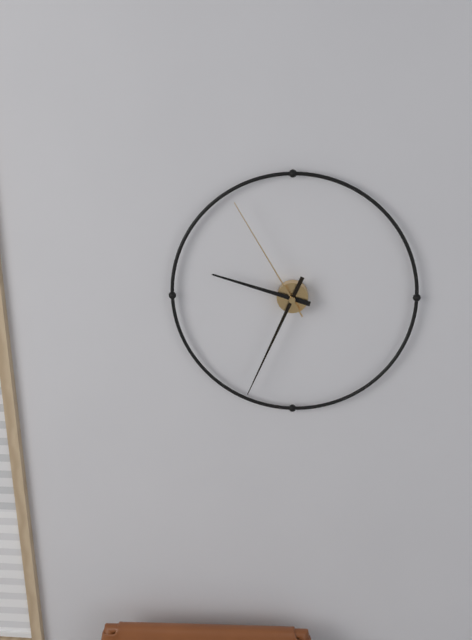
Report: 9.34.55
